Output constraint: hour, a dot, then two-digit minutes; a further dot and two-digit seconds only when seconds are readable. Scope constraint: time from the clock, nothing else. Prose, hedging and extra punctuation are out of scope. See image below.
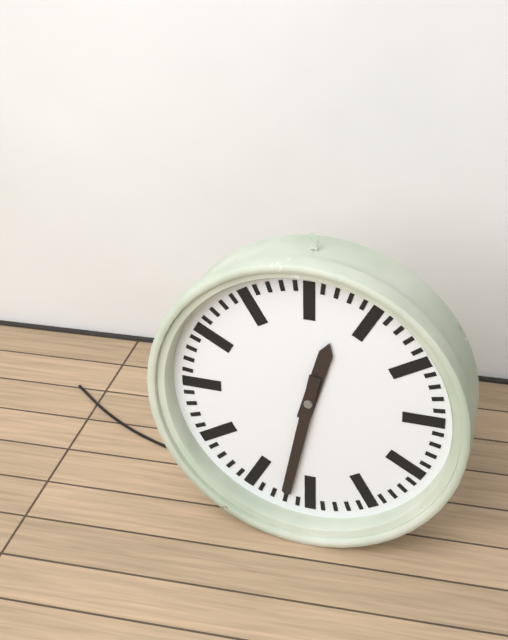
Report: 12.32
